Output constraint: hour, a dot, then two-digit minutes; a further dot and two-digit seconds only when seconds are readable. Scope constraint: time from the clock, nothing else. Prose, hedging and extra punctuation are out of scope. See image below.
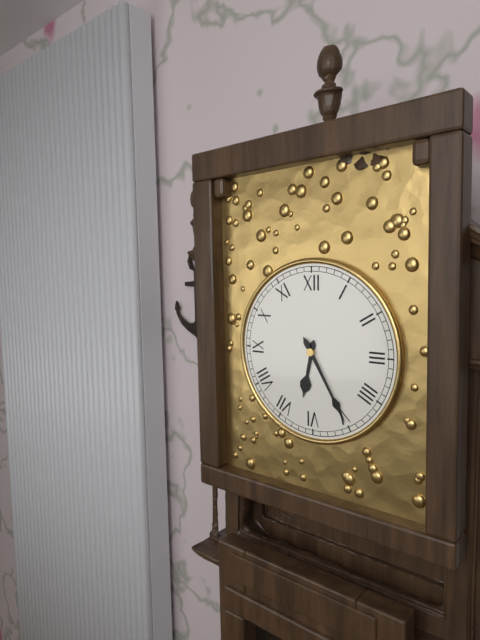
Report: 6.25
